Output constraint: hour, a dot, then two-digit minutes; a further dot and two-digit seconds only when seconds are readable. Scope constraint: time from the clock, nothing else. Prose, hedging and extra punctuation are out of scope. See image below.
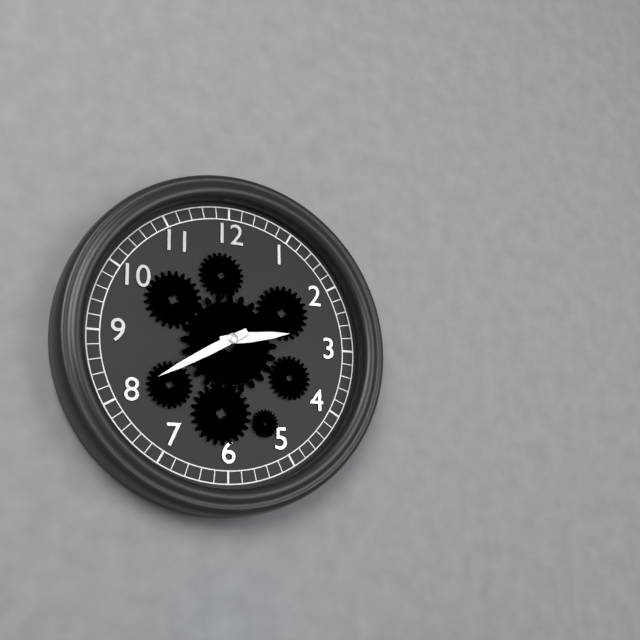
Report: 2.40
